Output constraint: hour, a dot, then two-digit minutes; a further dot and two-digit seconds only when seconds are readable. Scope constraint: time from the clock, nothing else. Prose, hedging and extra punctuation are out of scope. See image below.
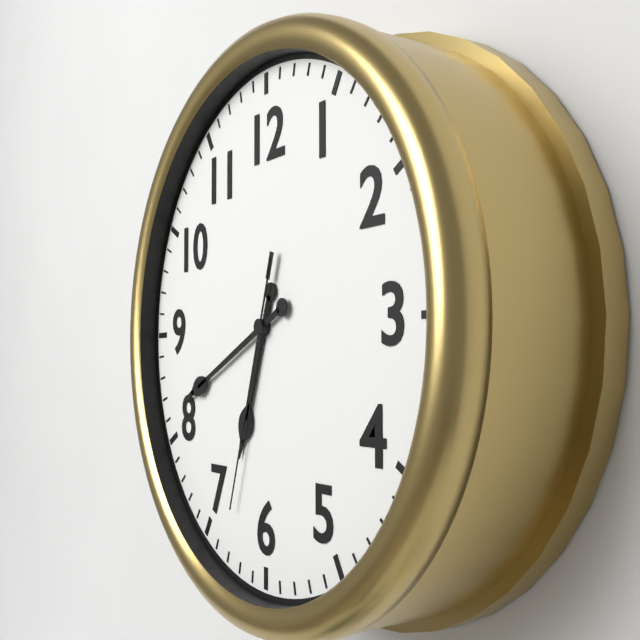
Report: 6.41.33
